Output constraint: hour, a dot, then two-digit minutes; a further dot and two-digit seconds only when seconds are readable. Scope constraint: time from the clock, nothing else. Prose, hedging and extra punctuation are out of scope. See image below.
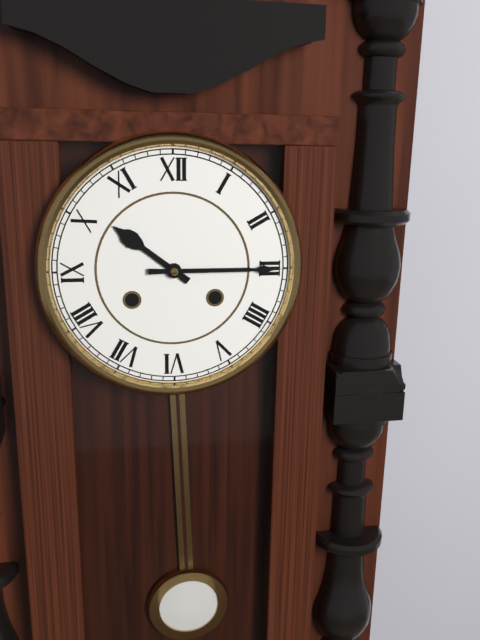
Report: 10.15
